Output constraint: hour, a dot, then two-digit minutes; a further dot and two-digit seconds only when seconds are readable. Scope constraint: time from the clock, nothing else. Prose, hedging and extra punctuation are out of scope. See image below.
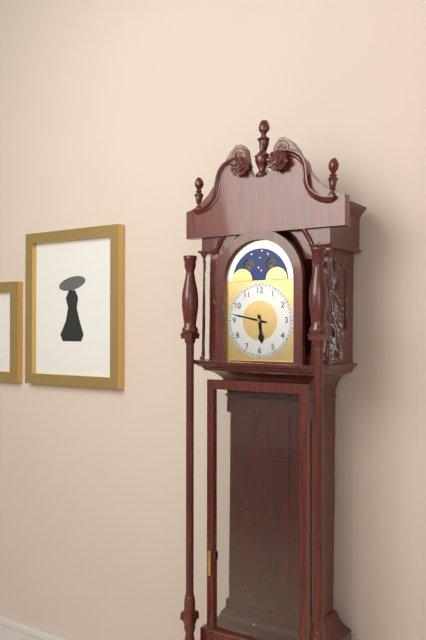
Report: 5.47
